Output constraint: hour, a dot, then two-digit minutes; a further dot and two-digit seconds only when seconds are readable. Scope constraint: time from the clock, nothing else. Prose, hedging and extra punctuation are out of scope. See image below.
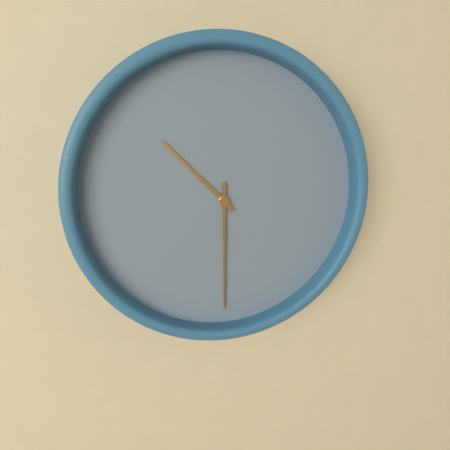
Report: 10.30
